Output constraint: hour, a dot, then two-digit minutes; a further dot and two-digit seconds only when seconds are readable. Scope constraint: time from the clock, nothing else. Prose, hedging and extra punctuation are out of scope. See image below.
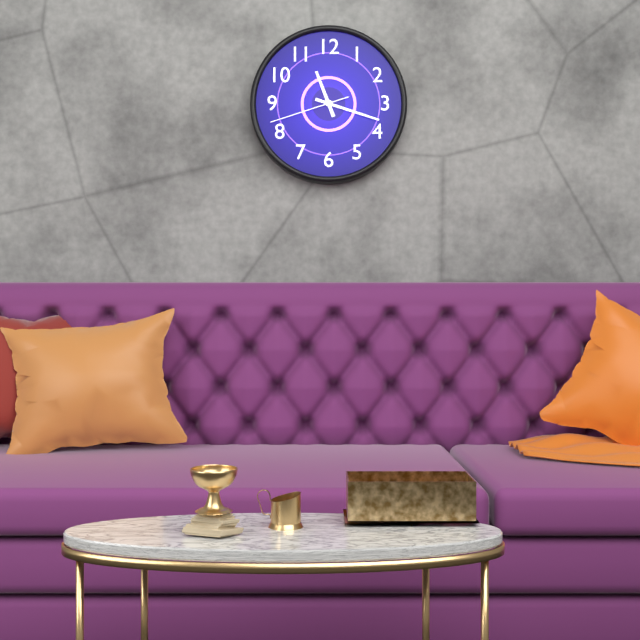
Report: 11.18.42
